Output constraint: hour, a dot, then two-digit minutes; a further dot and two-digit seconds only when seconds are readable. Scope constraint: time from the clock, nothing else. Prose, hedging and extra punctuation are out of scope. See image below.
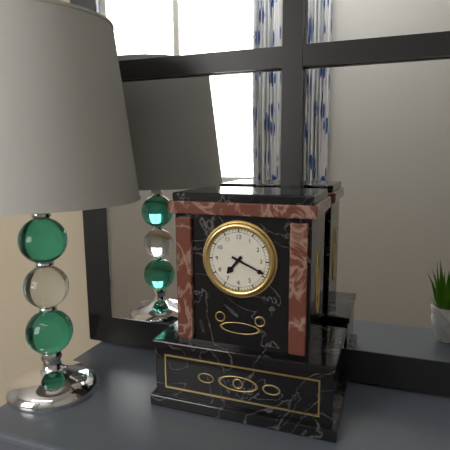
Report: 7.19
